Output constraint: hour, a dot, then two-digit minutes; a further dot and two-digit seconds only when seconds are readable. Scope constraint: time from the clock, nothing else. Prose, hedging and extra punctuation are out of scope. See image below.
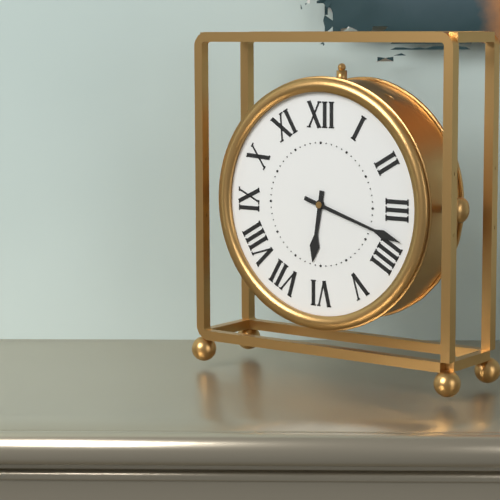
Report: 6.18
